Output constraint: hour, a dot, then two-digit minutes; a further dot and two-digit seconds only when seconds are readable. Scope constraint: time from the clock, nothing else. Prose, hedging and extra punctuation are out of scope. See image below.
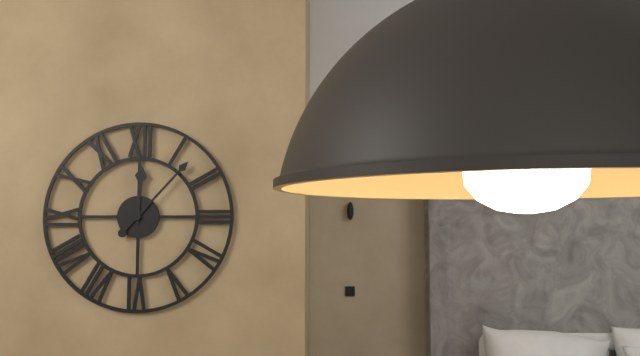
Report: 12.07
